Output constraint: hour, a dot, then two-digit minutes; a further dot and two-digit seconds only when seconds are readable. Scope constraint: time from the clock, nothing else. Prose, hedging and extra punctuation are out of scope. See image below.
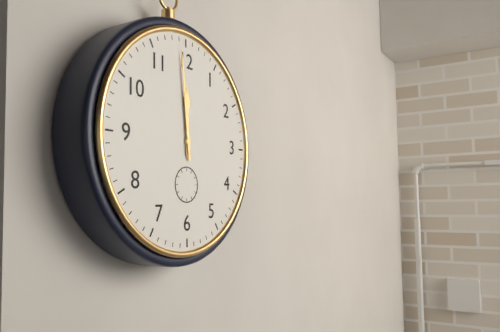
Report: 11.59
